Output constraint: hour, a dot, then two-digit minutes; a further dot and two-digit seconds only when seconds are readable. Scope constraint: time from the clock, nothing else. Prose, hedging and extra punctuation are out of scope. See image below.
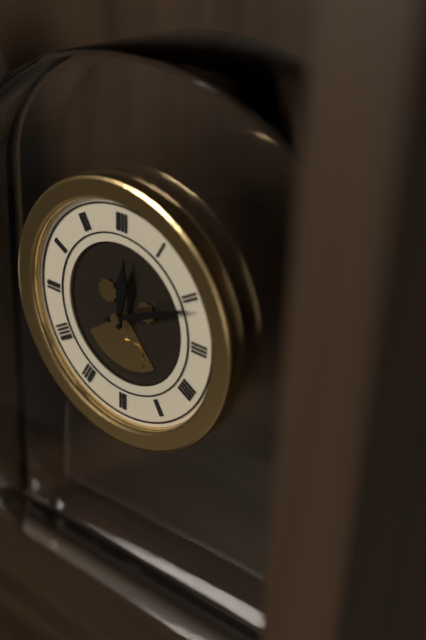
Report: 12.11
